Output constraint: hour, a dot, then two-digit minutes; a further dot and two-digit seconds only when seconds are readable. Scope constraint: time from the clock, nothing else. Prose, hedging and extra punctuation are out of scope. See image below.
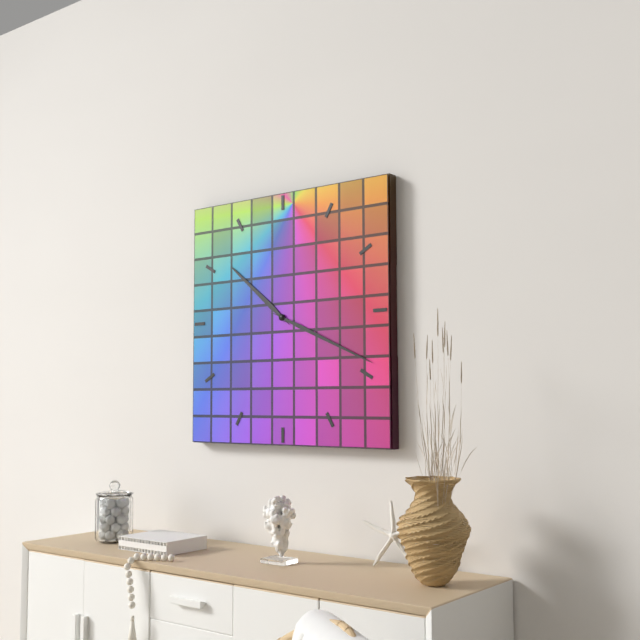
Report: 10.19
